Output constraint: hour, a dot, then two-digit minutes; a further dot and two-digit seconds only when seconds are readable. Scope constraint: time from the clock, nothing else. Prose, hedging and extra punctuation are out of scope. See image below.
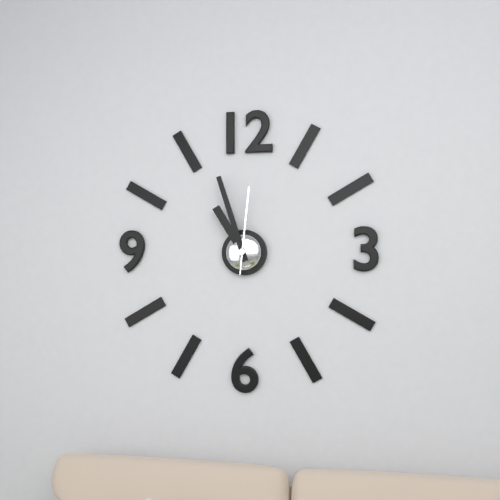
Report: 10.57.01
